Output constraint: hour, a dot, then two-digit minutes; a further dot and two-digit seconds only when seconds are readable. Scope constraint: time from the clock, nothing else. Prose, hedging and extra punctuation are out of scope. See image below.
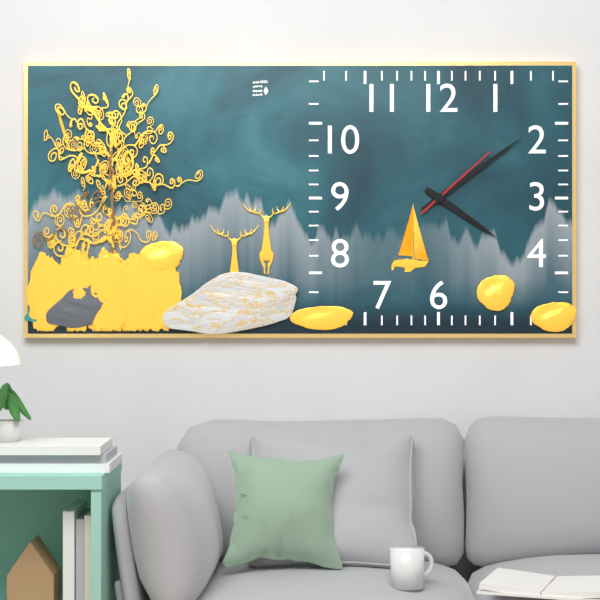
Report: 4.09.08
